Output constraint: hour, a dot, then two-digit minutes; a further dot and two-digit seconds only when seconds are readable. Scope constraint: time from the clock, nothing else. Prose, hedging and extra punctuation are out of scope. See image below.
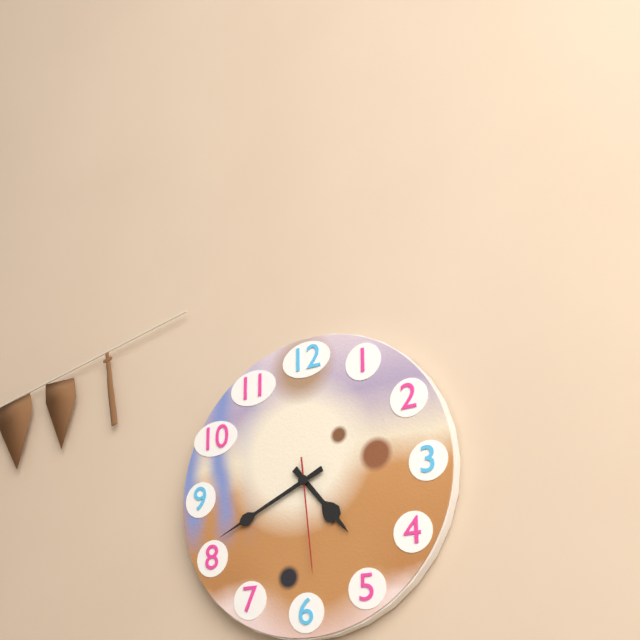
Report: 4.41.29
